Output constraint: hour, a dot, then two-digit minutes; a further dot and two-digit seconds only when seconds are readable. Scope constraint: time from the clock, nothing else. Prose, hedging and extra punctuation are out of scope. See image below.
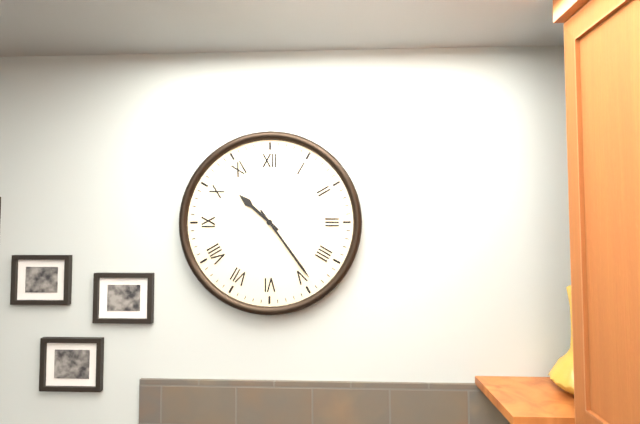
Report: 10.24
